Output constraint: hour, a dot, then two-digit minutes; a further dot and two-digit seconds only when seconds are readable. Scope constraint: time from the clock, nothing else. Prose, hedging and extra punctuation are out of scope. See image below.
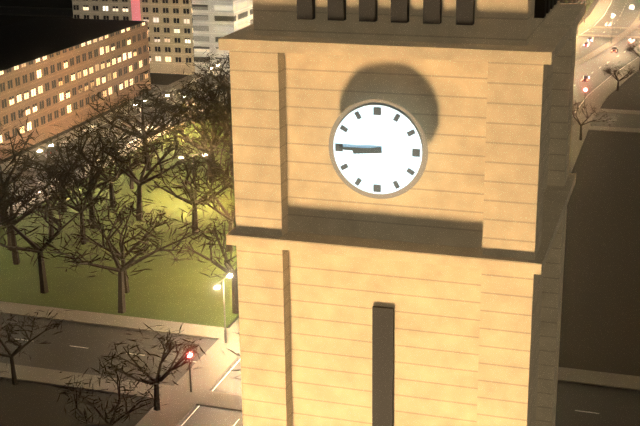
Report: 8.45
